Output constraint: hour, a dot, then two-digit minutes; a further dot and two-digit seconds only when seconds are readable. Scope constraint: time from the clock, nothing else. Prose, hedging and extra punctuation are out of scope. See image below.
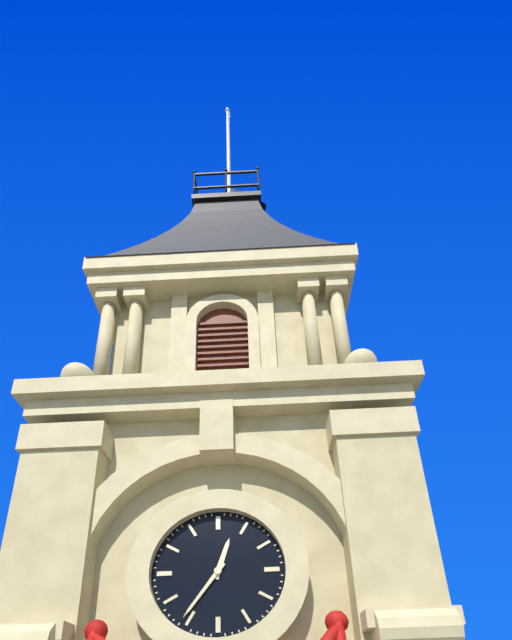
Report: 12.36
